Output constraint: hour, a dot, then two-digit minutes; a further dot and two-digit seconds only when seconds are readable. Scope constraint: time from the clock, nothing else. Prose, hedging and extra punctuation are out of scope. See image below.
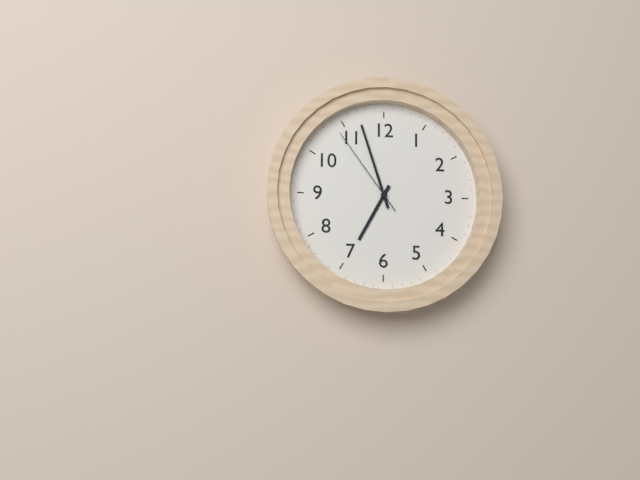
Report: 6.57.54
